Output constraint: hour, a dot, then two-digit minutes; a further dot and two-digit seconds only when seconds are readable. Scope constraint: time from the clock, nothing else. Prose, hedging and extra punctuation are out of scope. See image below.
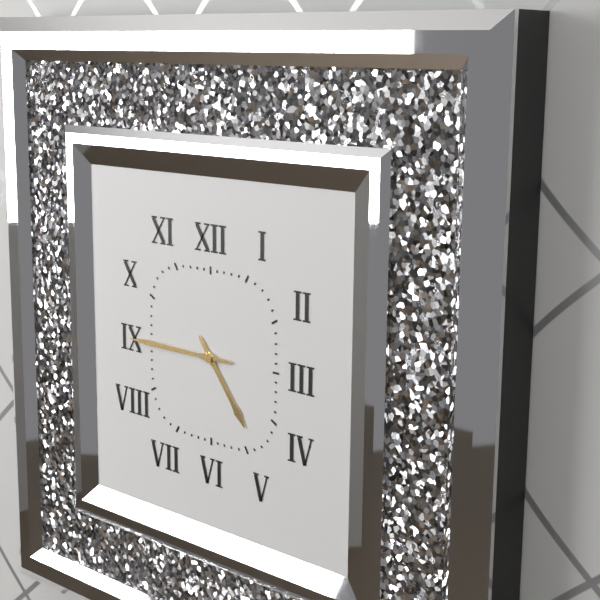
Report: 4.45
